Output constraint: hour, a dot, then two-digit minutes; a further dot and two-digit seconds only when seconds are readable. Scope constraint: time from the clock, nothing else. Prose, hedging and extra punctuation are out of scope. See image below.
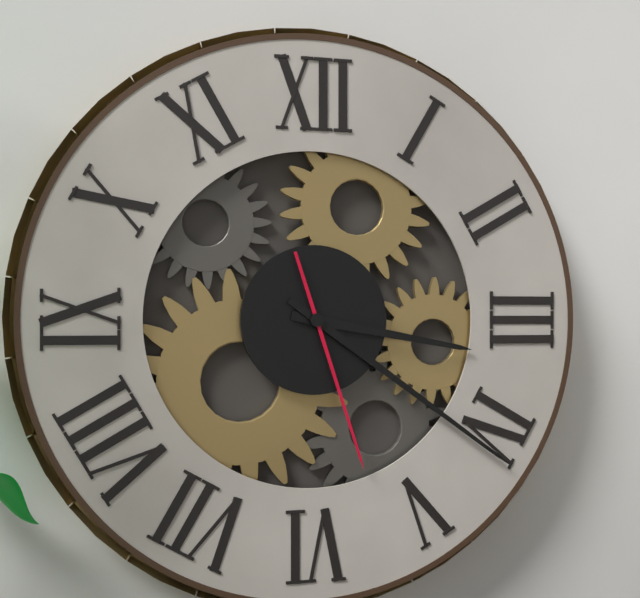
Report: 3.21.27
